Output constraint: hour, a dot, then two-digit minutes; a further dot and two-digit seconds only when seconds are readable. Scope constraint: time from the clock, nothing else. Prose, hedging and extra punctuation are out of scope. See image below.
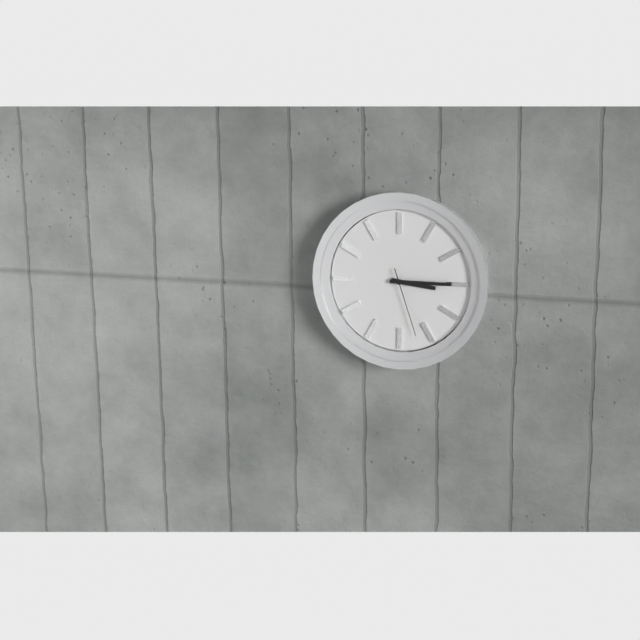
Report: 3.15.27
